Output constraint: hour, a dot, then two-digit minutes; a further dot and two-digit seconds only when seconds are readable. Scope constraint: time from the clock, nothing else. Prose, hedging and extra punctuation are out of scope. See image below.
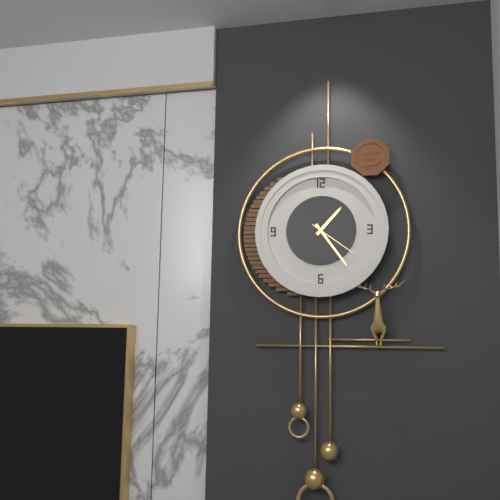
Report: 1.24.21
